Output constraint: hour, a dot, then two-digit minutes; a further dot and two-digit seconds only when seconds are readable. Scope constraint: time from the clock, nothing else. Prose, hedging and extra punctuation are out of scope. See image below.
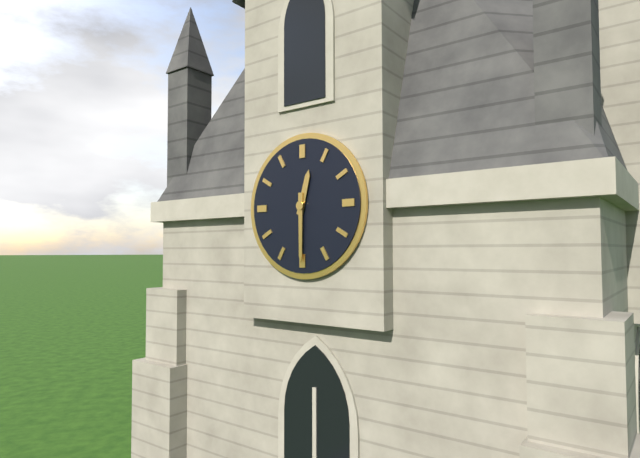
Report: 12.30
